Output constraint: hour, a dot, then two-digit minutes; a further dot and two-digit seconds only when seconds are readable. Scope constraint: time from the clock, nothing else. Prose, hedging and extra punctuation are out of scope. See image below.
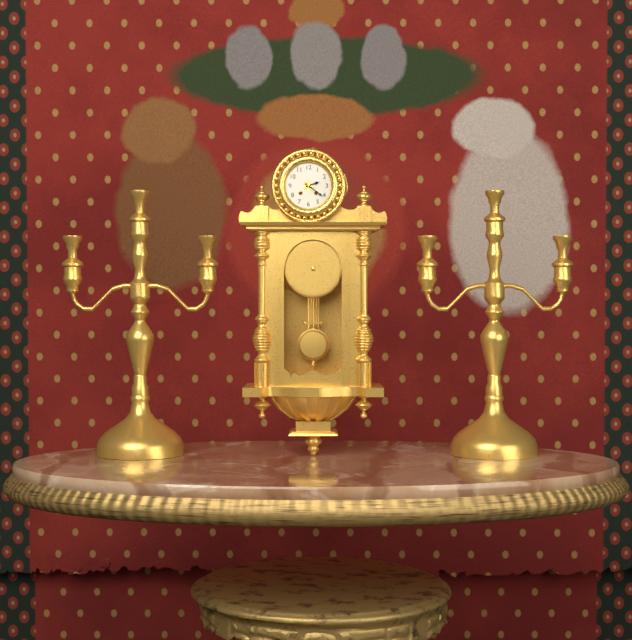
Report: 2.21
